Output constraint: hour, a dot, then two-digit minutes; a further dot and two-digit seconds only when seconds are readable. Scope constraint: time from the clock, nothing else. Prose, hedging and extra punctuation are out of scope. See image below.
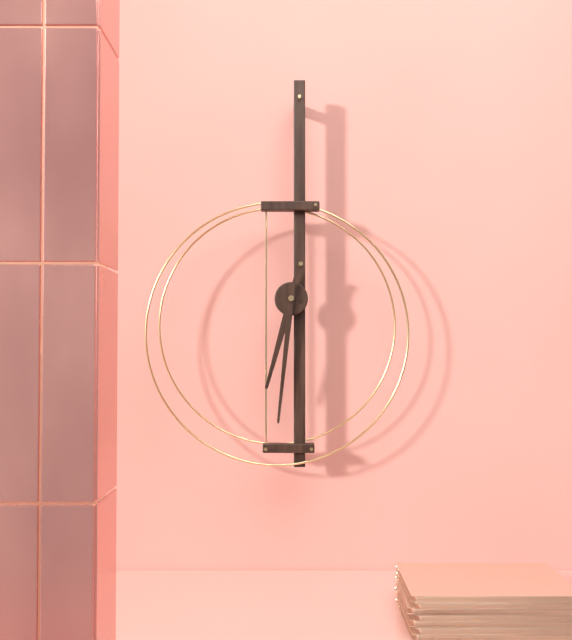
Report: 6.31
